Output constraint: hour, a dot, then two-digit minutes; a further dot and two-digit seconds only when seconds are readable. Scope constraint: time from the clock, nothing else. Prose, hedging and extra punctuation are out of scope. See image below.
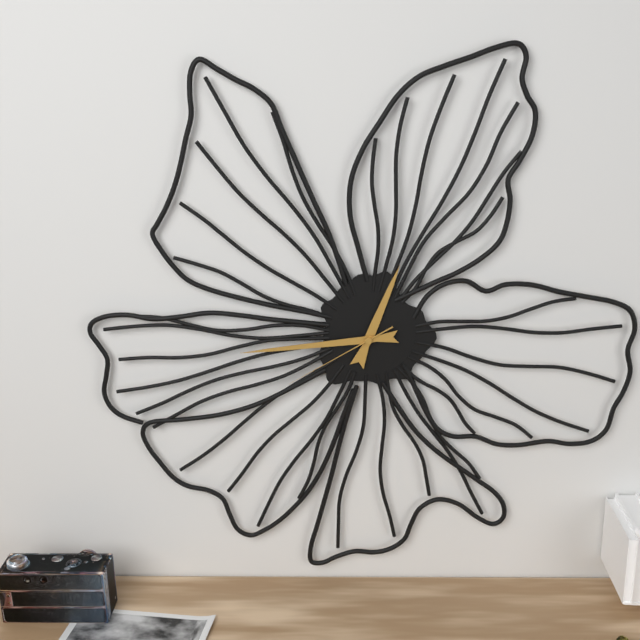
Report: 12.44.40
